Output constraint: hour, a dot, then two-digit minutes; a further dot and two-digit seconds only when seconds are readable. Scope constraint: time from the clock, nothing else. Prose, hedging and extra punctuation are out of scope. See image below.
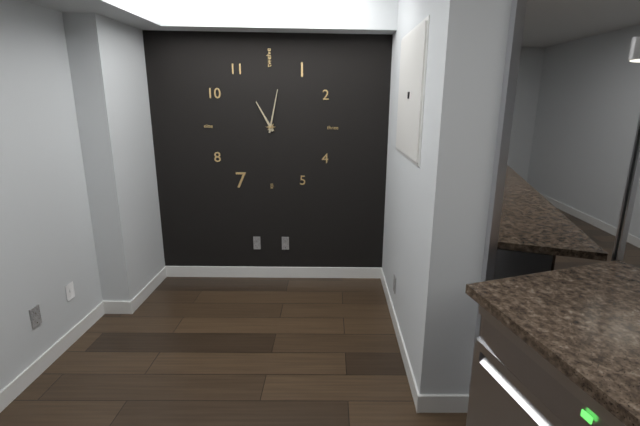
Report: 11.02
